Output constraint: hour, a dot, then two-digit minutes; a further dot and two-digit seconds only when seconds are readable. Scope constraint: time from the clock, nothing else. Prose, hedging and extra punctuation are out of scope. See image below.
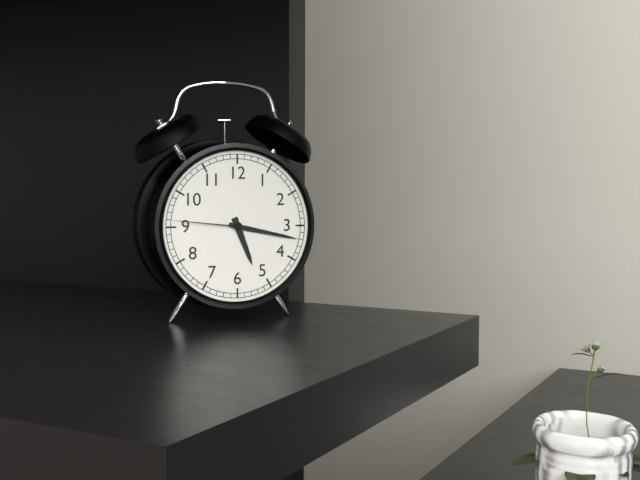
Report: 5.17.46
